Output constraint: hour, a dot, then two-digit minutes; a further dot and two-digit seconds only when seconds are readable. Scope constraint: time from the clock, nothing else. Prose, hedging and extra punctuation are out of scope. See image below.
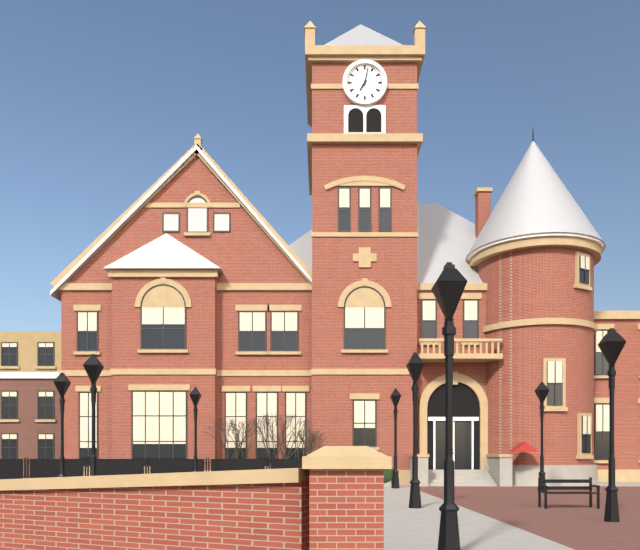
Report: 7.02
